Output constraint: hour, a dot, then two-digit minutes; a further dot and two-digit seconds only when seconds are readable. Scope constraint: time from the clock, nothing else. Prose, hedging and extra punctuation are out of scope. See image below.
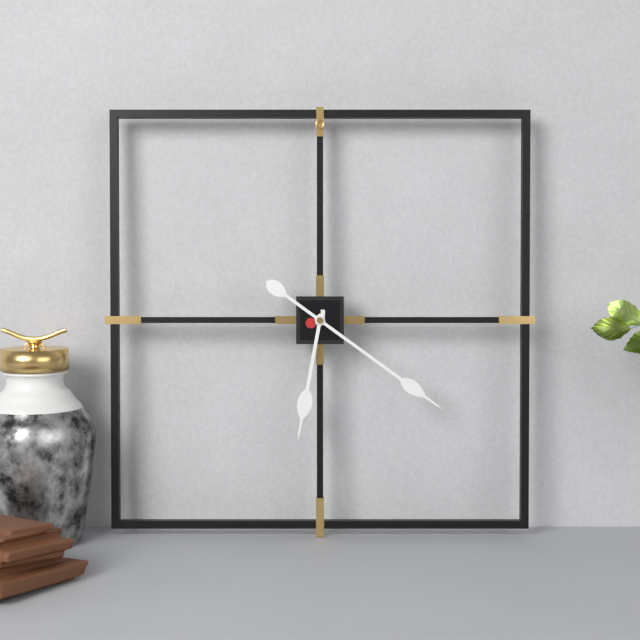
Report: 6.21
